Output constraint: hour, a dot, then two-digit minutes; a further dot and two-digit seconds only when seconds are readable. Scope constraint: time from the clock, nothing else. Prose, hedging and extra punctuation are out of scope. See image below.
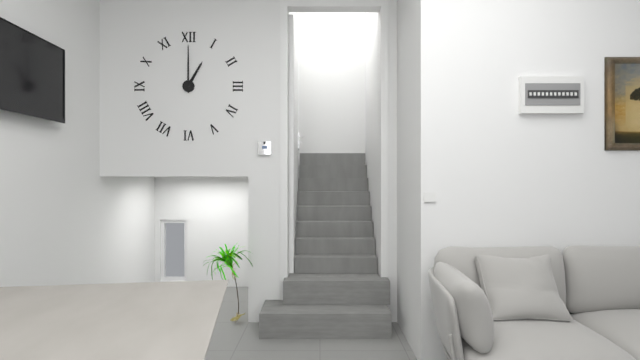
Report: 1.00
